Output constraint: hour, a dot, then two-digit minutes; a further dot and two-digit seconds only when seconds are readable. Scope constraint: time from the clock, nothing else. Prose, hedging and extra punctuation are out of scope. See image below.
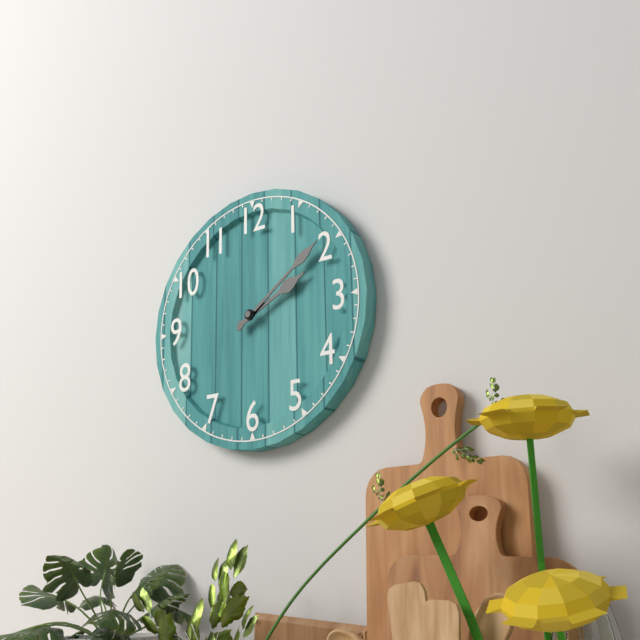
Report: 2.09
